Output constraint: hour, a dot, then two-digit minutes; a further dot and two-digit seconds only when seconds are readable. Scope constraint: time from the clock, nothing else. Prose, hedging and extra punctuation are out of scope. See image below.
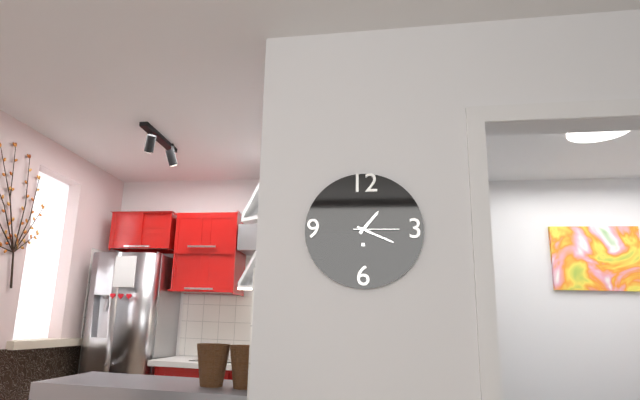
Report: 1.19
